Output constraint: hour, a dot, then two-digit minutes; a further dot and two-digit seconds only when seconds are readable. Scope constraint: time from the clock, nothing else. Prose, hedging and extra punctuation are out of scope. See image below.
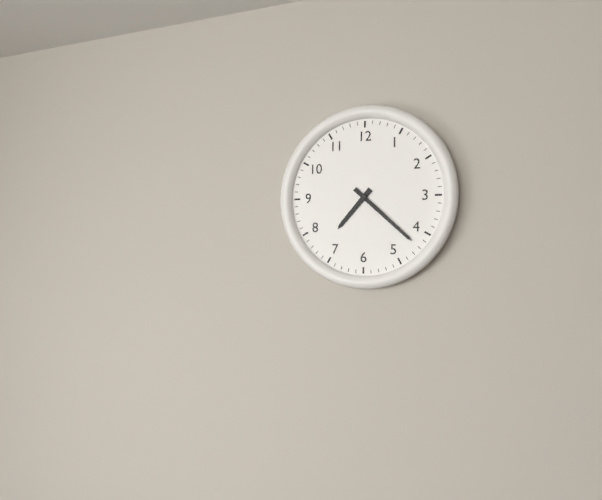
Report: 7.22
